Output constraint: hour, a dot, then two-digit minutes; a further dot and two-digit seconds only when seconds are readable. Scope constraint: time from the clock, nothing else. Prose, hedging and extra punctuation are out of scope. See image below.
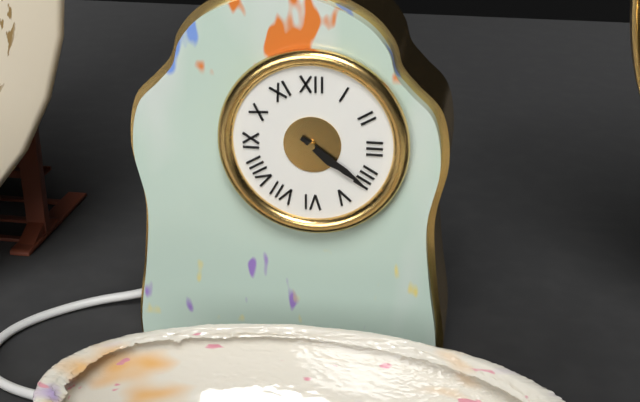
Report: 4.21
